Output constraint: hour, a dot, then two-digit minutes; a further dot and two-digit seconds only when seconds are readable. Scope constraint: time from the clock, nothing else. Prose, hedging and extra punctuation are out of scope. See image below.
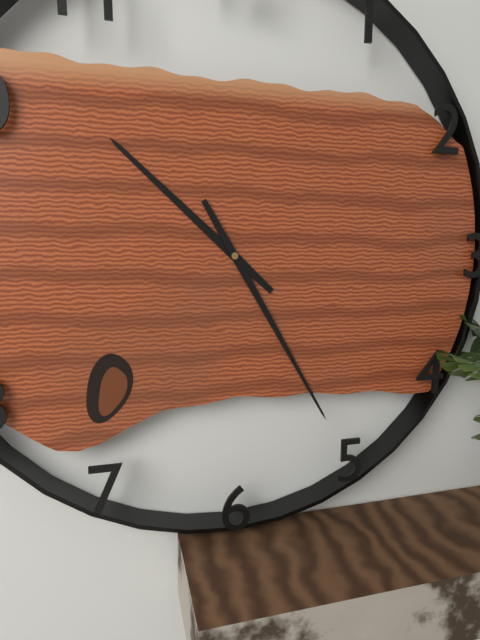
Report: 10.25
